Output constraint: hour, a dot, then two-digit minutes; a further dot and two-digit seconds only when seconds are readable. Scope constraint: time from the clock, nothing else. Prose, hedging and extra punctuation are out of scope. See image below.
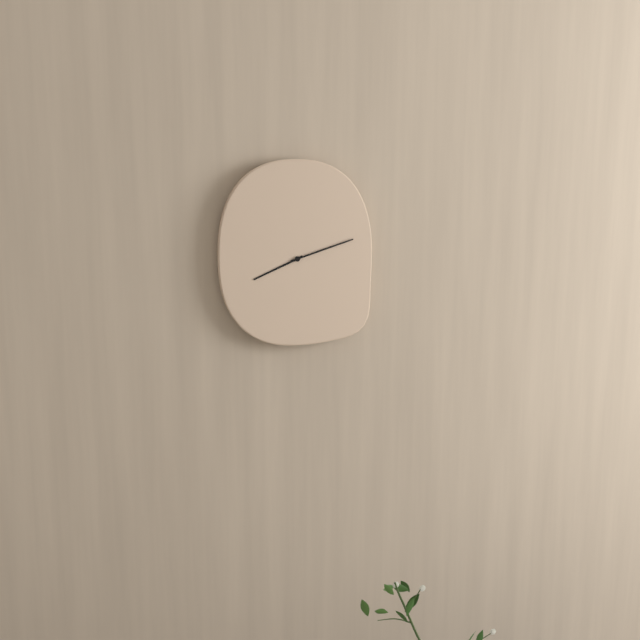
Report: 8.12
